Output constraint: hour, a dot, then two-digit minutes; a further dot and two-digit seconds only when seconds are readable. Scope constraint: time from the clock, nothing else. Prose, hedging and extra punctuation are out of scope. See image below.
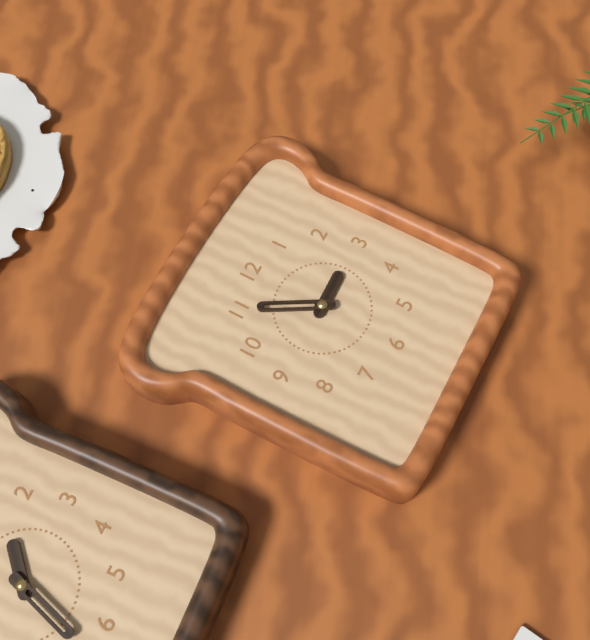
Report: 2.55
